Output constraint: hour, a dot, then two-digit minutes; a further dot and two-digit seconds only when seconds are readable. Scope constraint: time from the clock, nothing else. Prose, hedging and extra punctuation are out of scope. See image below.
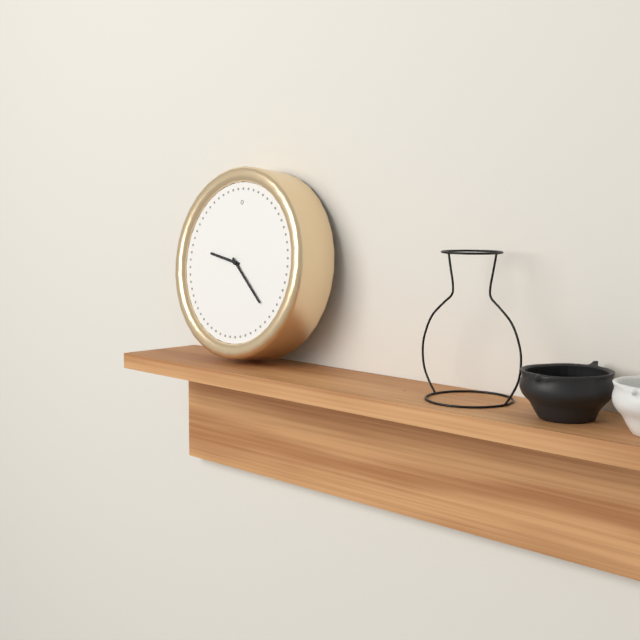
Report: 9.22
